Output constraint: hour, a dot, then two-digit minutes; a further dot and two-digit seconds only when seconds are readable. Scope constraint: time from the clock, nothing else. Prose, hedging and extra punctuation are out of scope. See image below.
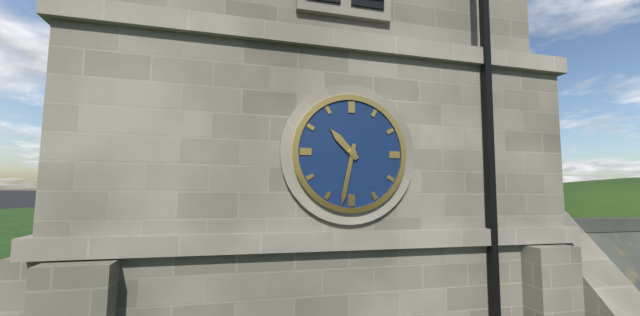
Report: 10.32
